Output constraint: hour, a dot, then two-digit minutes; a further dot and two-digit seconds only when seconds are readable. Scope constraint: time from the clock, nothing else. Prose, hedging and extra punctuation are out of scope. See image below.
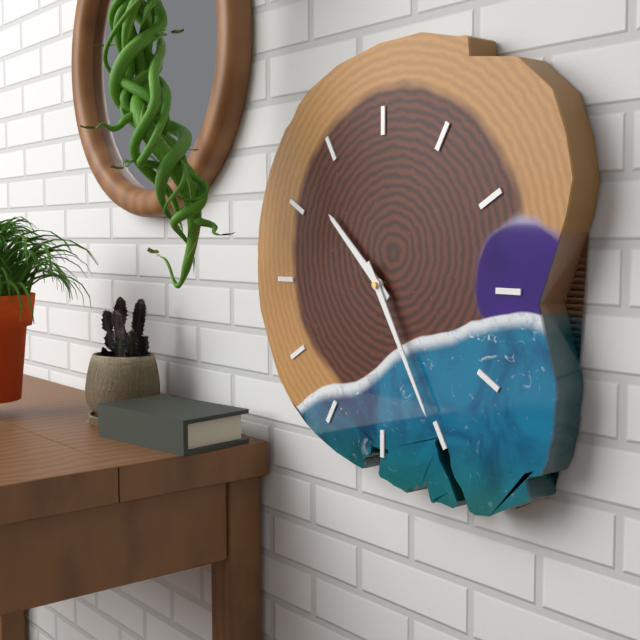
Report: 10.25
